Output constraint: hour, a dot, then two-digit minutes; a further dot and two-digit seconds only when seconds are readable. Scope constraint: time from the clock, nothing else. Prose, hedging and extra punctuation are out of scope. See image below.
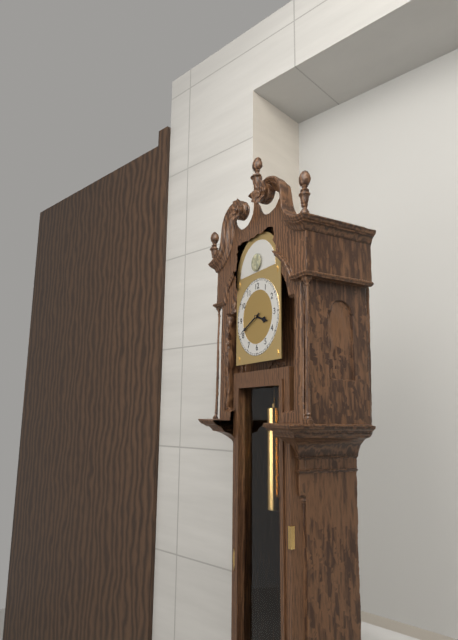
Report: 3.41
